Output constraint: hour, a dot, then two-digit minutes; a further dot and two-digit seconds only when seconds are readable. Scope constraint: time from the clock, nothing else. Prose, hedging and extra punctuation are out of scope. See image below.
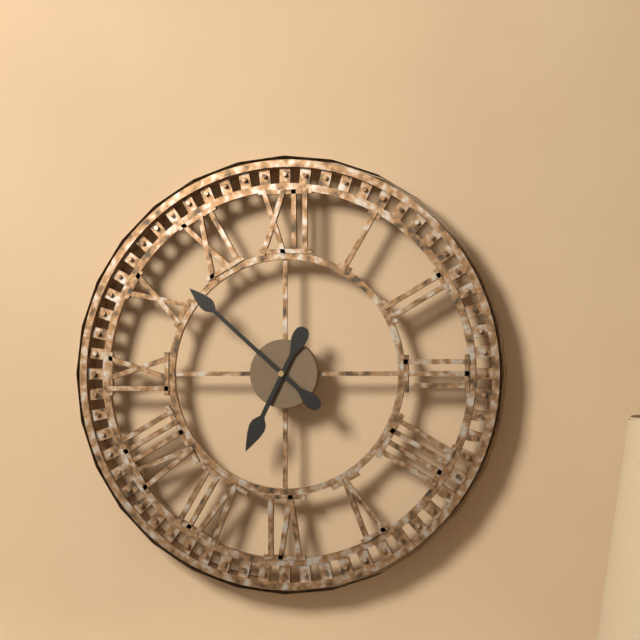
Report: 6.52
